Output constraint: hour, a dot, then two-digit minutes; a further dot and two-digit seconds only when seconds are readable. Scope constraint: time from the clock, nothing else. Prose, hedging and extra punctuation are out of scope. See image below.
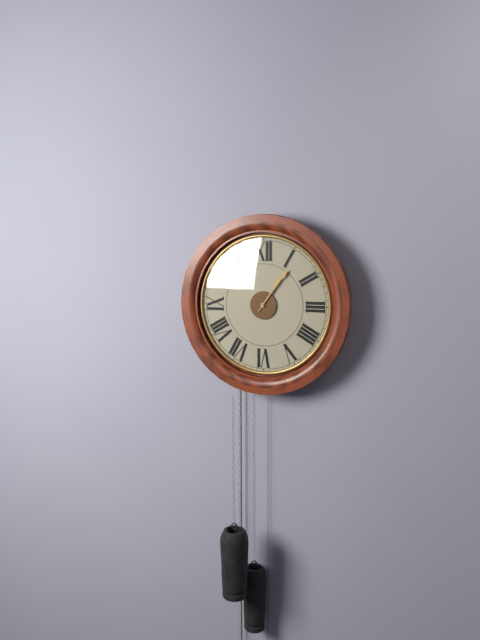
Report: 1.06
